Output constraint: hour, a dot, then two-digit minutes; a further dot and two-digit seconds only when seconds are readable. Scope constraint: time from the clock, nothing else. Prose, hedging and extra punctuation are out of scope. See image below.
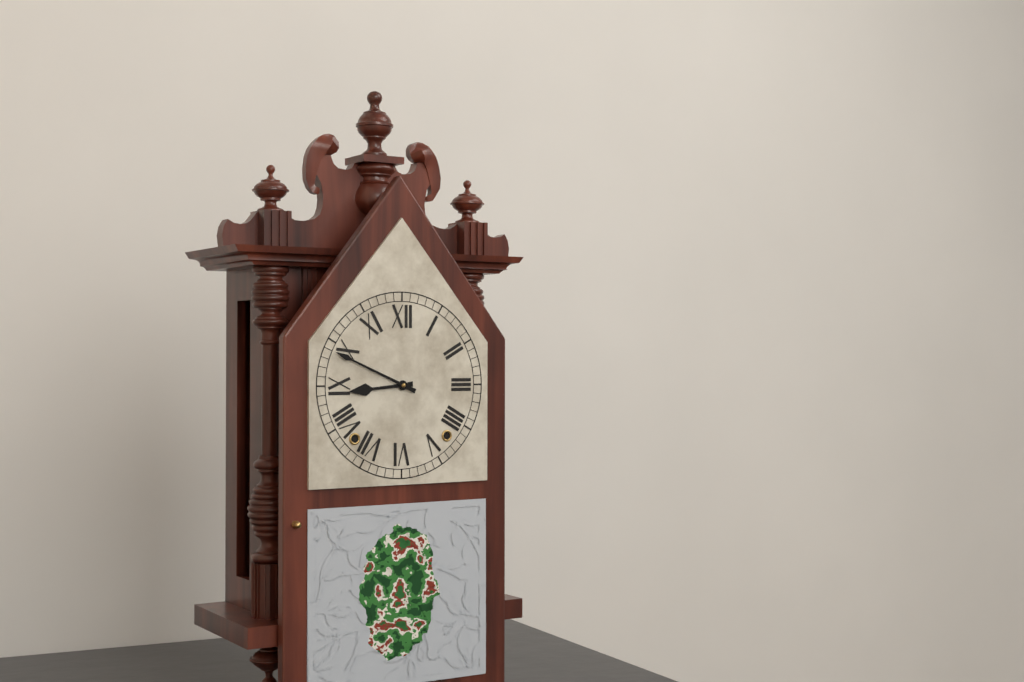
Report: 8.49
